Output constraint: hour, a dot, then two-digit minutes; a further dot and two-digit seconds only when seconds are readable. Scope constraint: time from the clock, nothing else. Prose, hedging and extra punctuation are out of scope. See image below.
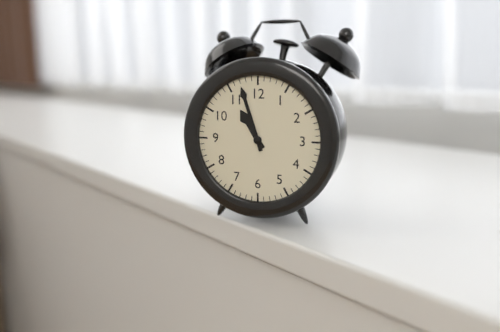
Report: 10.57
